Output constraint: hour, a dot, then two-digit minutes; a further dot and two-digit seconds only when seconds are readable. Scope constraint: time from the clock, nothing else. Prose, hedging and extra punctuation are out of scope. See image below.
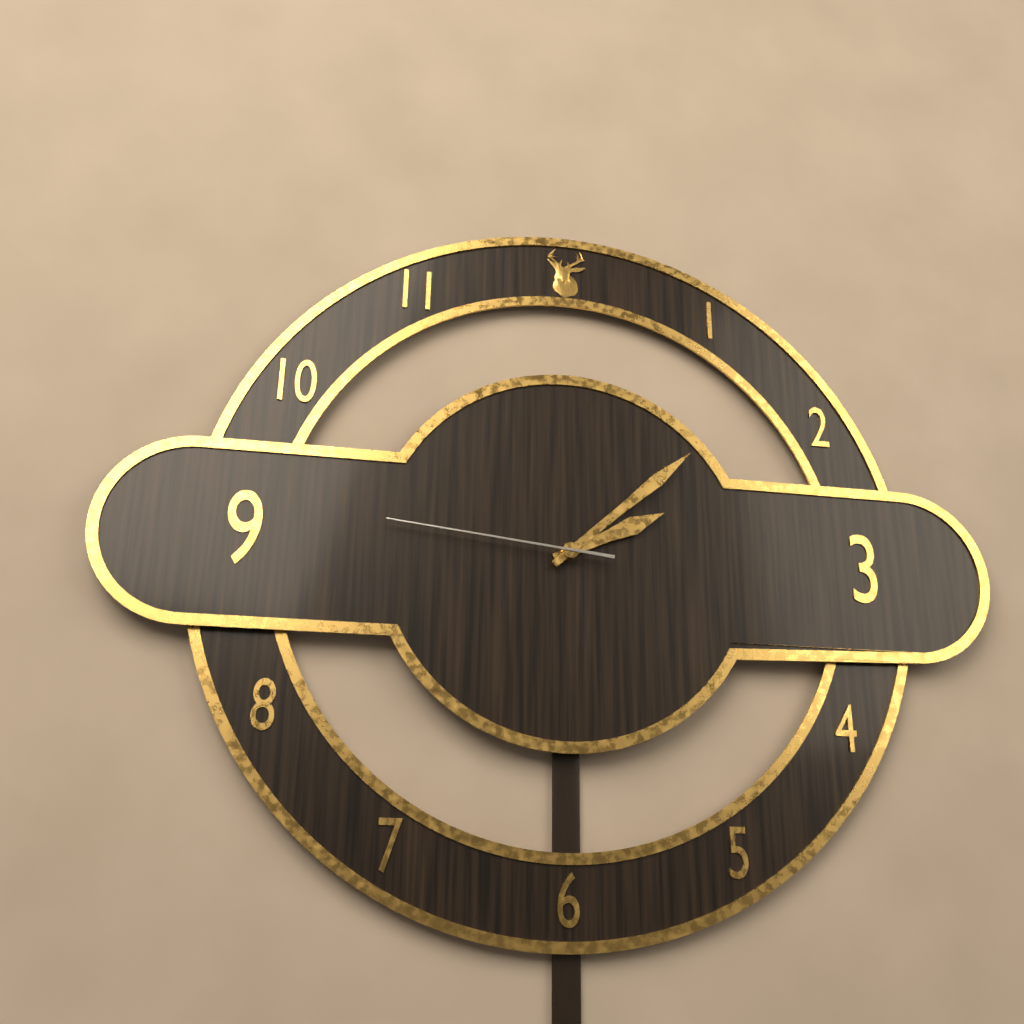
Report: 2.08.46
